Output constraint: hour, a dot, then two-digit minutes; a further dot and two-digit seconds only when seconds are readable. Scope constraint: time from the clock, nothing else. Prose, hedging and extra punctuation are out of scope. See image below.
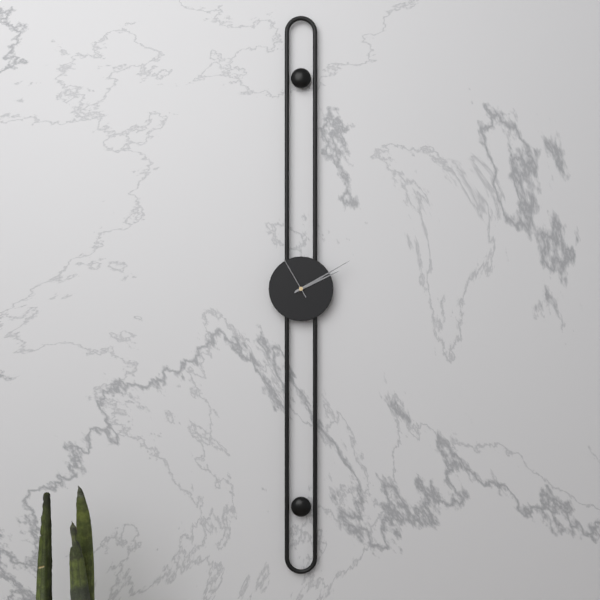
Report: 2.10
